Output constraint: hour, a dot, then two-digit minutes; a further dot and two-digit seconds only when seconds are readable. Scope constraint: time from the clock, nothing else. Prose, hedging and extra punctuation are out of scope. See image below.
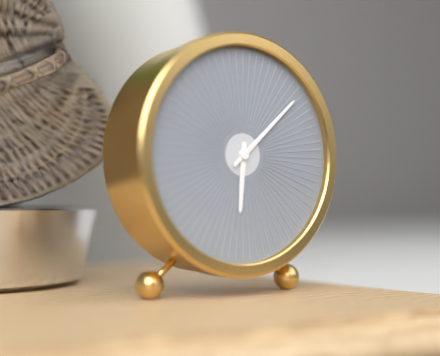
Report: 6.08
